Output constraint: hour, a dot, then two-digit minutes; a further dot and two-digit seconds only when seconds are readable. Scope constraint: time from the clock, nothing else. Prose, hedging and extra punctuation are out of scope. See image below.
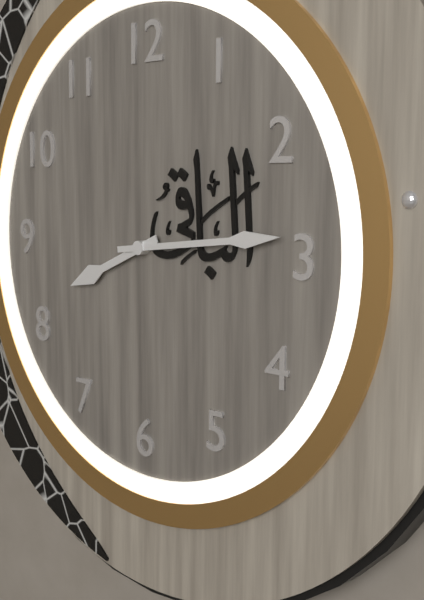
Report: 8.14
